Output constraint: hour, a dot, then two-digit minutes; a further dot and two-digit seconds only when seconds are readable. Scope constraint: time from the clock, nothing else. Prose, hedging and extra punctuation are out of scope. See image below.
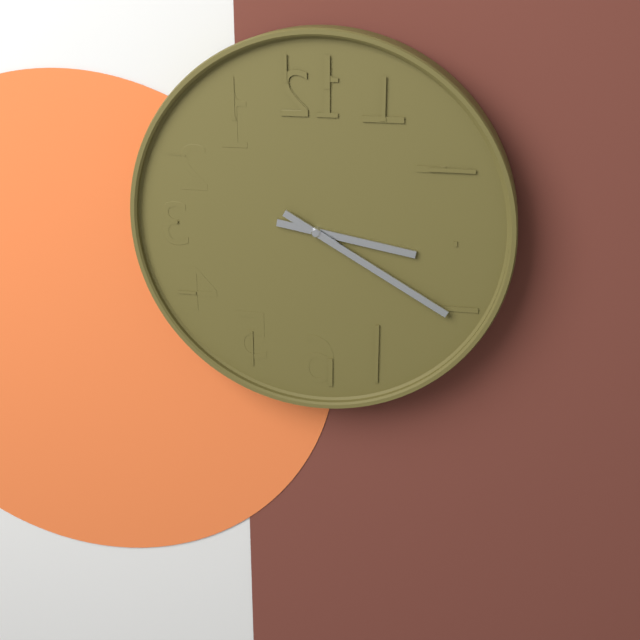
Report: 3.20
